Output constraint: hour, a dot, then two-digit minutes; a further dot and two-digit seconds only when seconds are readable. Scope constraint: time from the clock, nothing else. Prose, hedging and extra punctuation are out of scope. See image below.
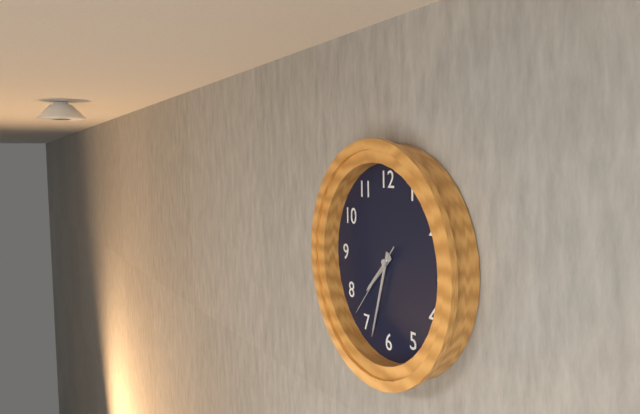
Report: 7.33.37
